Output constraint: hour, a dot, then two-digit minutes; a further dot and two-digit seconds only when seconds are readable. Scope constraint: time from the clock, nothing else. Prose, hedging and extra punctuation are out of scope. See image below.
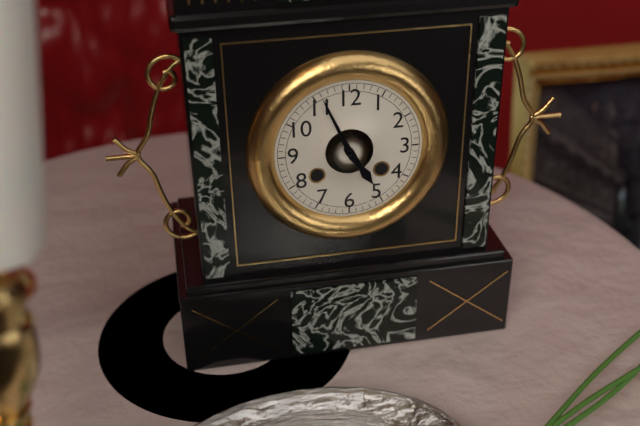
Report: 4.56
